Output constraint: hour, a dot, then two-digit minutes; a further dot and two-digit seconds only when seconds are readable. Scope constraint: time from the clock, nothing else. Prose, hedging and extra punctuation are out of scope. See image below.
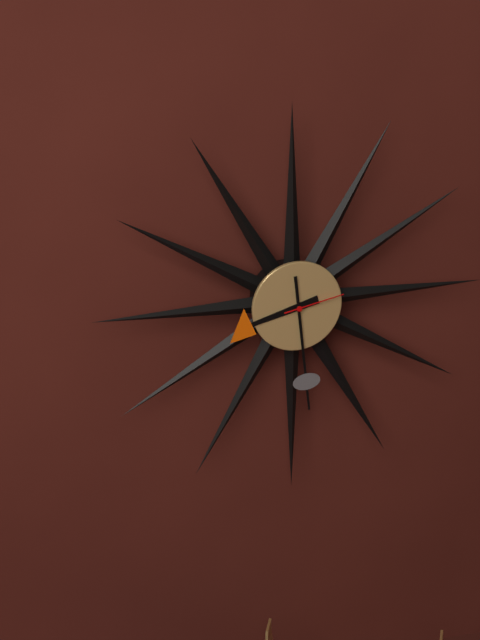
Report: 8.29.13
